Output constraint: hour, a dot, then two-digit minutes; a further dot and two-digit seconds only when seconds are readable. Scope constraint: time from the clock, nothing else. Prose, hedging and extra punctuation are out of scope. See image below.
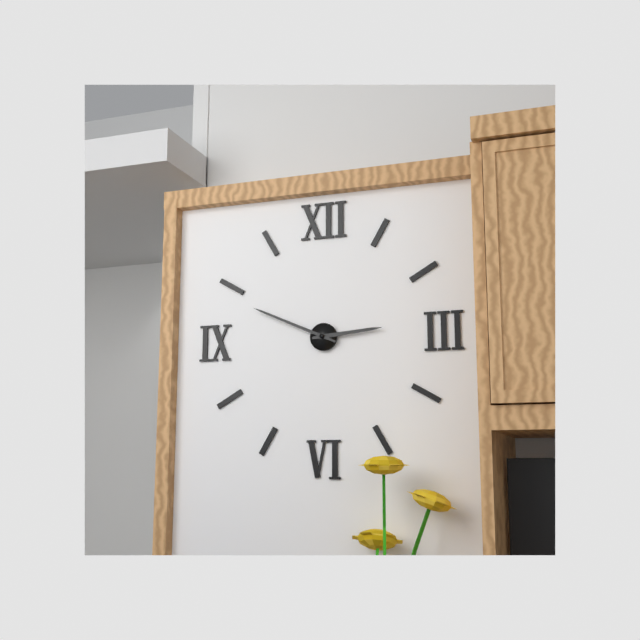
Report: 2.49
